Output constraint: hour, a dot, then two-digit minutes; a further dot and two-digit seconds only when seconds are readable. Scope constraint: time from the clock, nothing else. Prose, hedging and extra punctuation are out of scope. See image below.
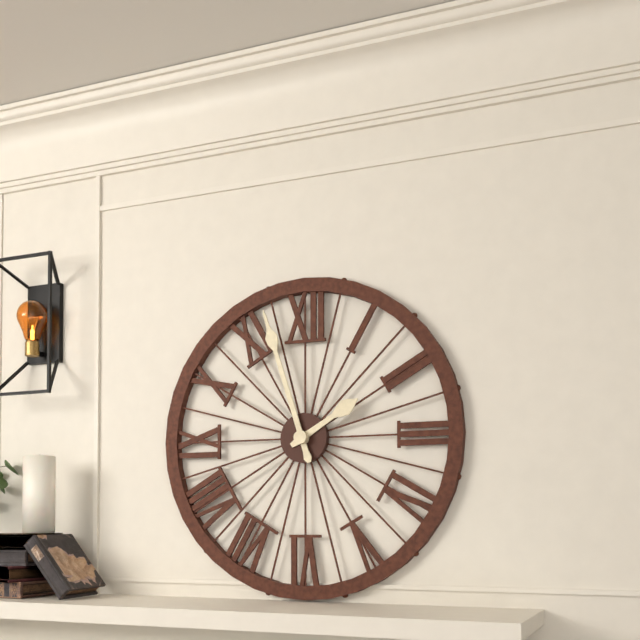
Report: 1.57
